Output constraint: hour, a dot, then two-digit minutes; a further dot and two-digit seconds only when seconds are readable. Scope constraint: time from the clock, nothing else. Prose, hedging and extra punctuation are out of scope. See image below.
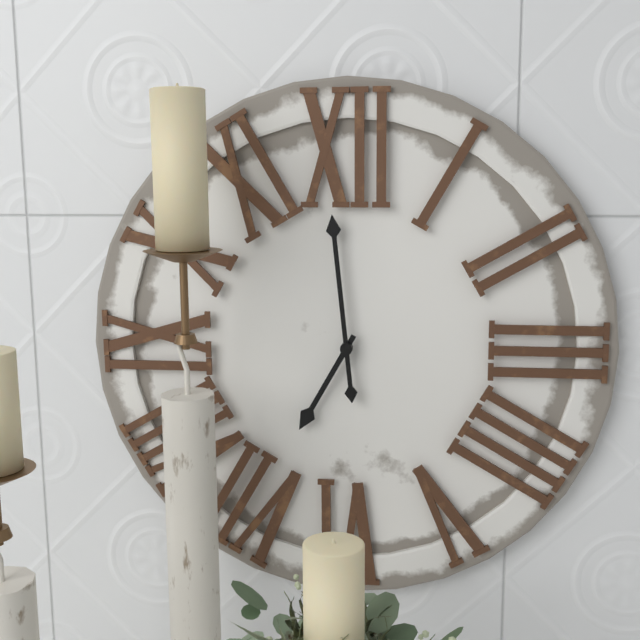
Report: 6.59
